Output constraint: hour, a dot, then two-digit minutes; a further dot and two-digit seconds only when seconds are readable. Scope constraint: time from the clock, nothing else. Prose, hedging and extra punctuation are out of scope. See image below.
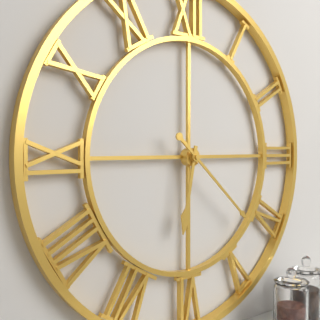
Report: 6.22
